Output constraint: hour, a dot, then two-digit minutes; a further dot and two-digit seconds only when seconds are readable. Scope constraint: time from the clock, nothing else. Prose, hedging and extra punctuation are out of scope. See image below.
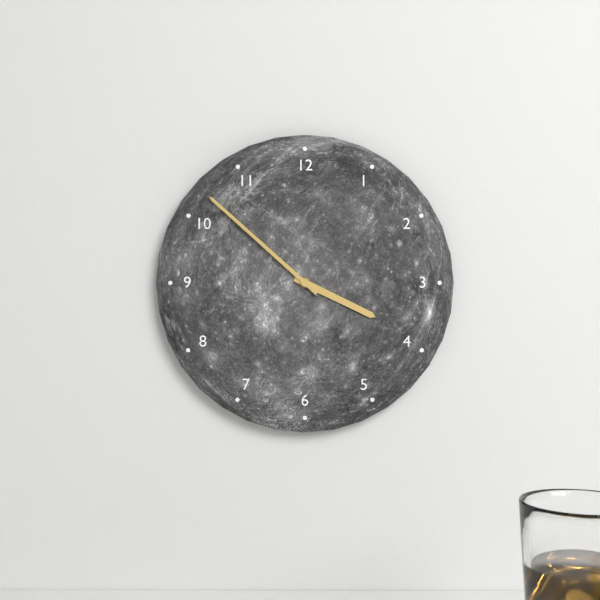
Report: 3.52
